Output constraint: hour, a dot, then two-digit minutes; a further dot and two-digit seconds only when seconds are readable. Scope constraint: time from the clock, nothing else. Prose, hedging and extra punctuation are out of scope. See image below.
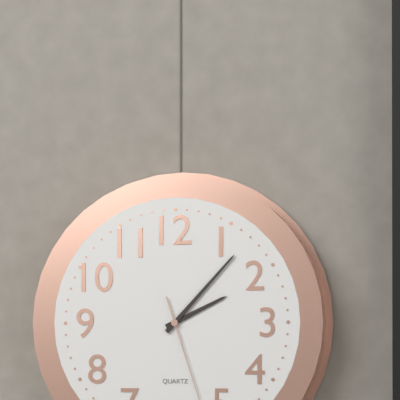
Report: 2.07
